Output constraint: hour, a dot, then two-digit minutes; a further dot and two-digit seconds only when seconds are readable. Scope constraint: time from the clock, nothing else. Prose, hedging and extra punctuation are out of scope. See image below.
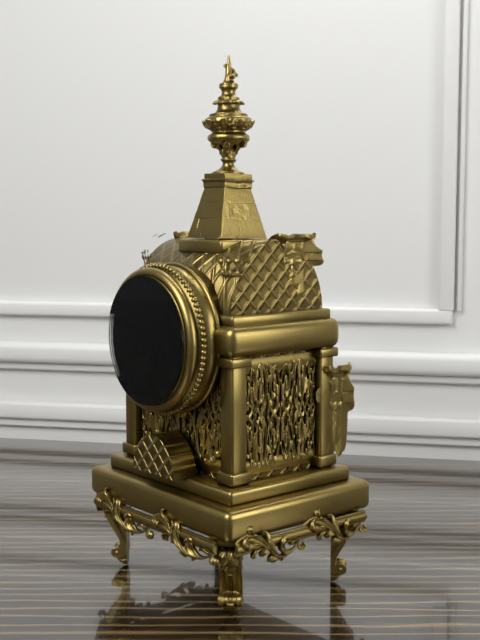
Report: 5.35
